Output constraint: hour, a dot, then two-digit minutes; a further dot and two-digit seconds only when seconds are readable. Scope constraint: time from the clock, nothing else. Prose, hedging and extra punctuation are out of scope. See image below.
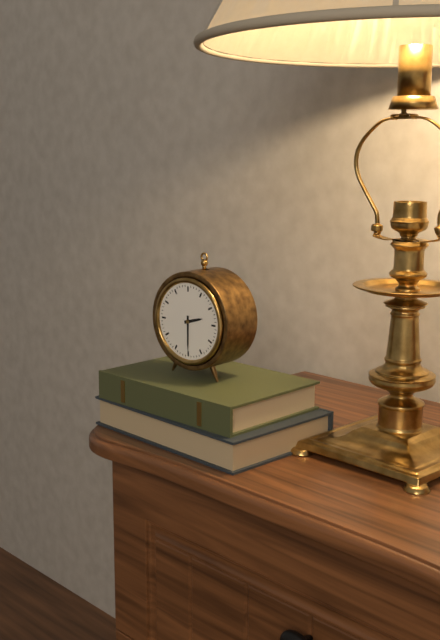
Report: 2.30
